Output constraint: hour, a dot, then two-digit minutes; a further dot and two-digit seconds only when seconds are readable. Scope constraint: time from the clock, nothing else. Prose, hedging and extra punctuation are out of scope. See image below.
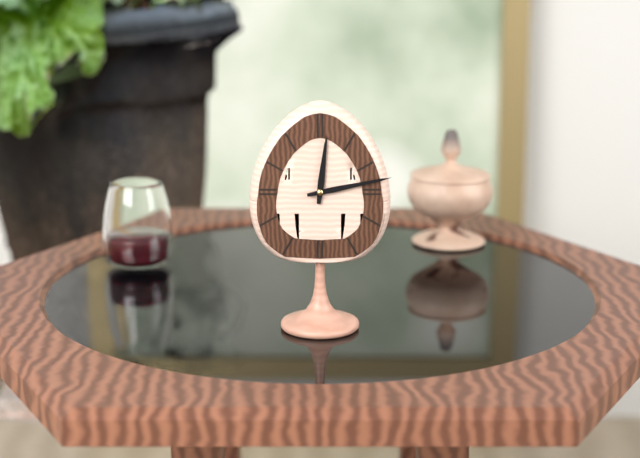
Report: 12.13
